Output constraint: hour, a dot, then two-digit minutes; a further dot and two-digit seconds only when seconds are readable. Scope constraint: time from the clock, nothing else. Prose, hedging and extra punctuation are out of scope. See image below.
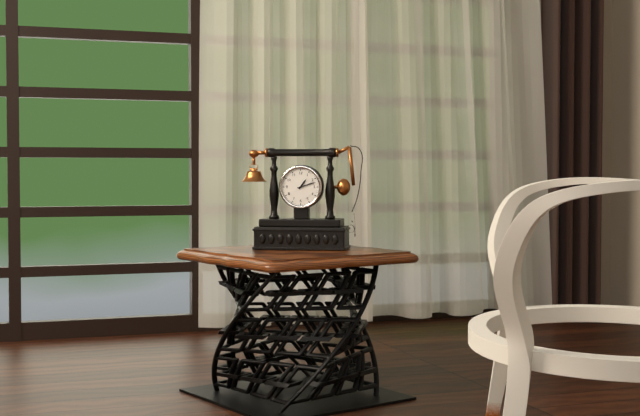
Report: 1.12
